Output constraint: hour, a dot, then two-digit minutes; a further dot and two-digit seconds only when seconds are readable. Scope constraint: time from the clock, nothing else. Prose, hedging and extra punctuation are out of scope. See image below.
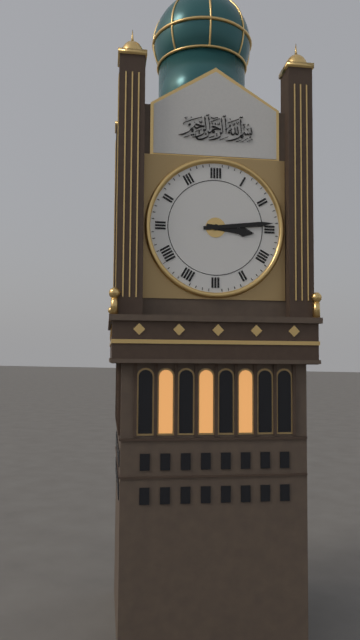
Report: 3.14
